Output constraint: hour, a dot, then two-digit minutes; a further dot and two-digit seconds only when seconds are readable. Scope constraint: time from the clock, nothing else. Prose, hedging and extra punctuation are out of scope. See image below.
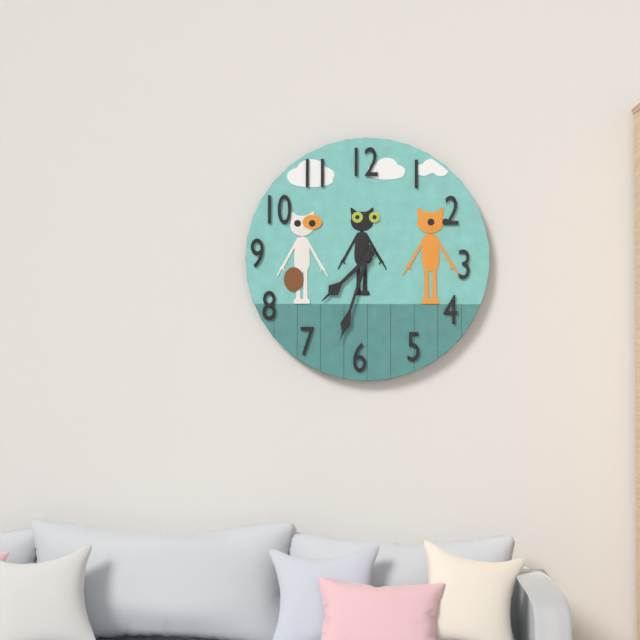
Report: 7.33
